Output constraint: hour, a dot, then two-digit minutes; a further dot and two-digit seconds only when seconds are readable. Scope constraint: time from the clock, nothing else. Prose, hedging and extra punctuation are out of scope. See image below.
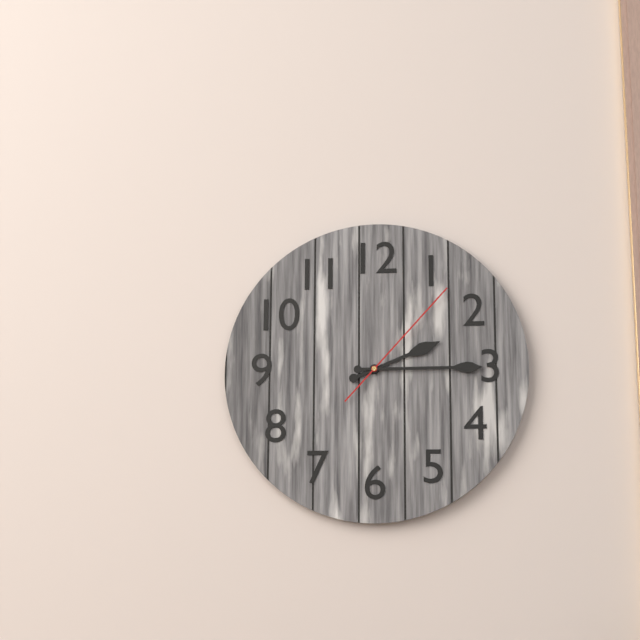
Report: 2.15.07
